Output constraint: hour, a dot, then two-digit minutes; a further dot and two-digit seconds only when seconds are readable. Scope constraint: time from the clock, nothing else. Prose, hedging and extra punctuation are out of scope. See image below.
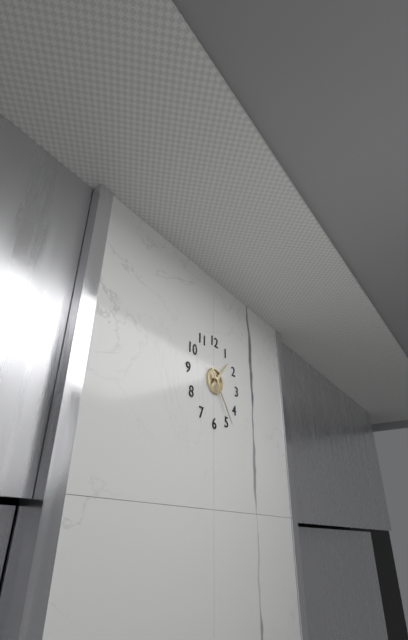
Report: 1.24
